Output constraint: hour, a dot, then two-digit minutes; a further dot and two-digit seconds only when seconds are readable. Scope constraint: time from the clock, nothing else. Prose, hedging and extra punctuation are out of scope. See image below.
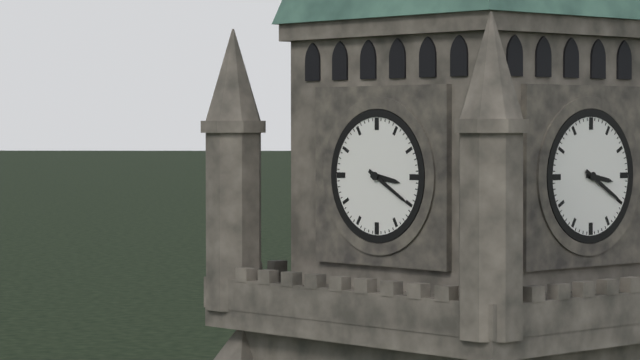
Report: 3.20
